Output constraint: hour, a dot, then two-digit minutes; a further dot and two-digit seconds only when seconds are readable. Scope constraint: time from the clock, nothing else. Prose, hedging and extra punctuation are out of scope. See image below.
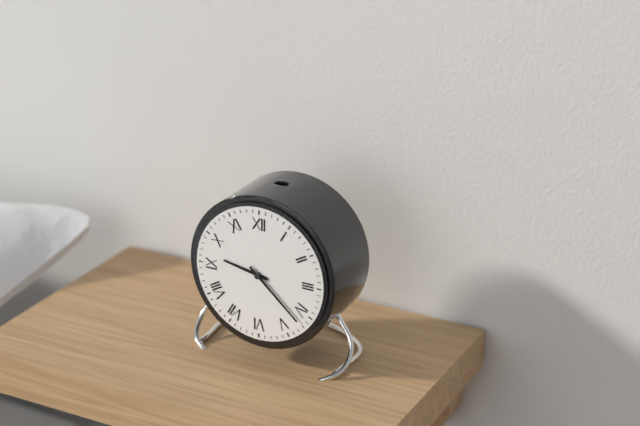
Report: 9.22
